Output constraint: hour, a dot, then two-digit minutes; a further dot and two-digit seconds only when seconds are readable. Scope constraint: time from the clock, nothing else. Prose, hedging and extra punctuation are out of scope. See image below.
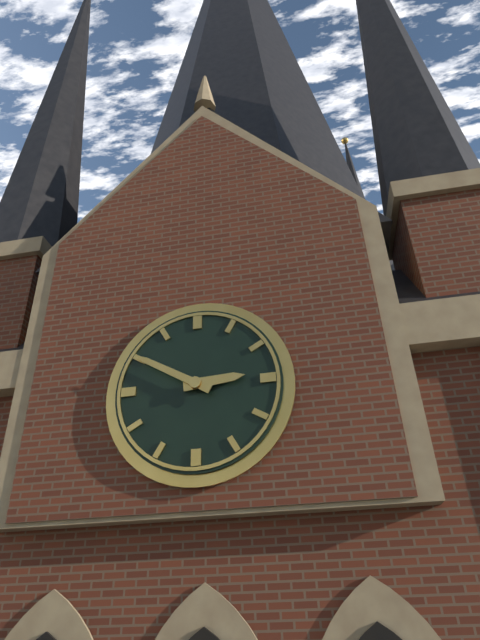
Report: 2.50
